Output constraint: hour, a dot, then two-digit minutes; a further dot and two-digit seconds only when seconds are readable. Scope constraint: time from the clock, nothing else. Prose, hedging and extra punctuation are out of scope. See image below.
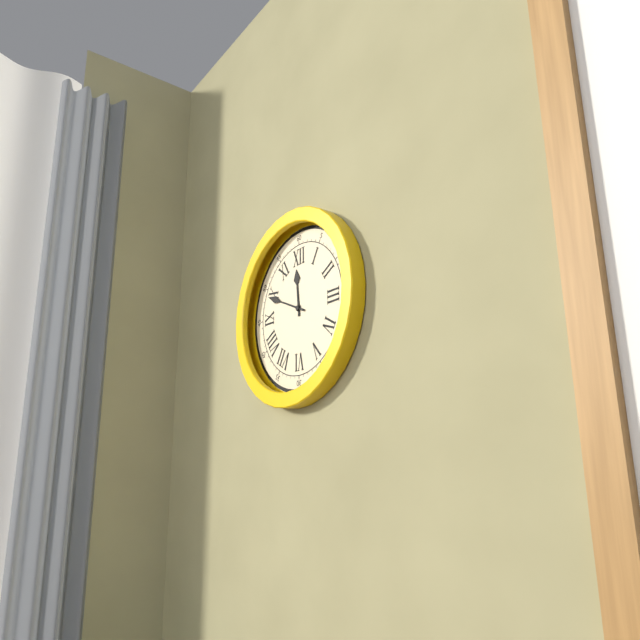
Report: 11.49
